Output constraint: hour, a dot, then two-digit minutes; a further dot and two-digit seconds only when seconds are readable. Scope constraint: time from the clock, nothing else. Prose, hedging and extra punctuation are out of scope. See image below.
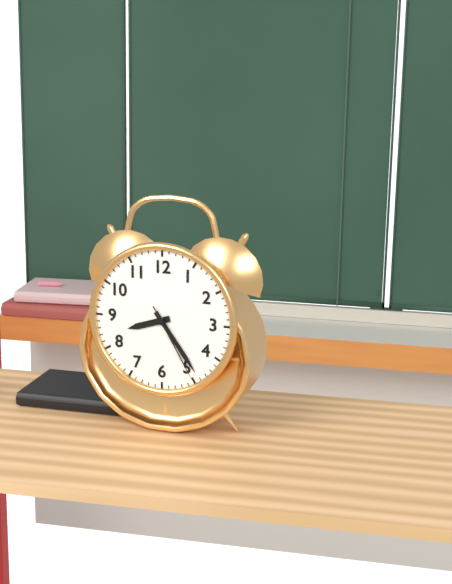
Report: 8.24.25
